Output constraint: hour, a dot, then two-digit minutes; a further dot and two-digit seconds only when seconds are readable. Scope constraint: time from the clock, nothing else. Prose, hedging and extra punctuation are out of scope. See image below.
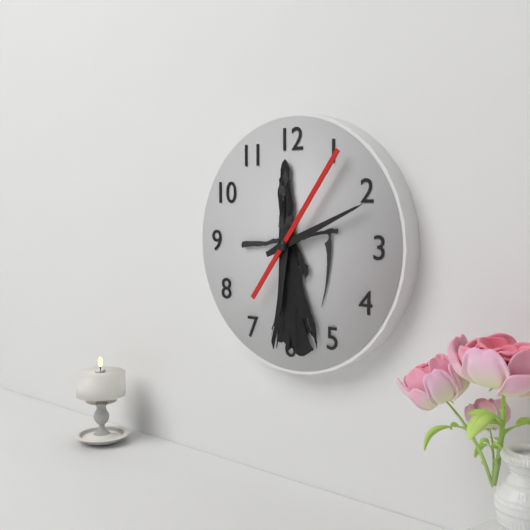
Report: 6.11.06
